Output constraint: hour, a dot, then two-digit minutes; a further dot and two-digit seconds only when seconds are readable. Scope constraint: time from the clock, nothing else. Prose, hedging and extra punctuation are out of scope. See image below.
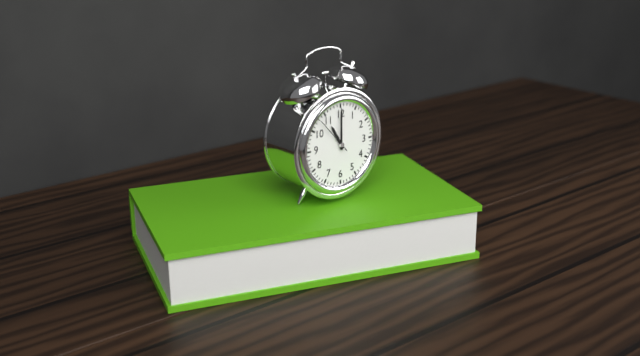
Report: 11.00
